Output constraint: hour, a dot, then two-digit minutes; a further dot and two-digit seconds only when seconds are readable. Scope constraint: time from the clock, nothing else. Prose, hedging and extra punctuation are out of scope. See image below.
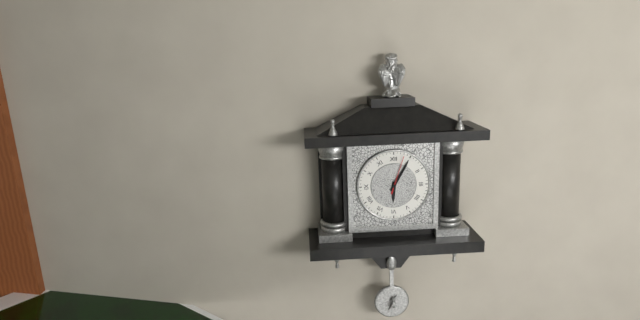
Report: 6.05
